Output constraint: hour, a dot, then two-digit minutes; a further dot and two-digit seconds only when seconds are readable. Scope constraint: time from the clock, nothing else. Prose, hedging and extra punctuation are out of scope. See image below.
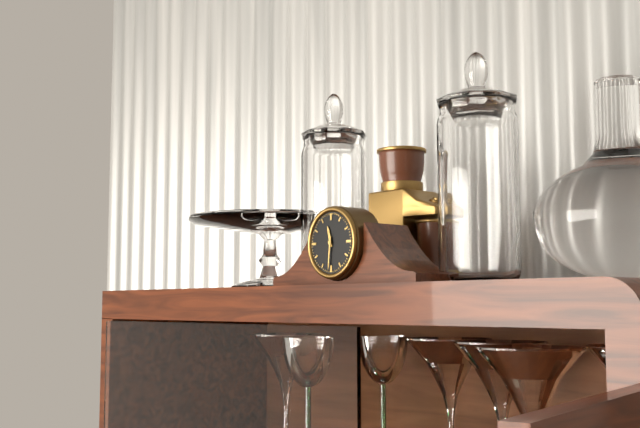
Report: 11.31
